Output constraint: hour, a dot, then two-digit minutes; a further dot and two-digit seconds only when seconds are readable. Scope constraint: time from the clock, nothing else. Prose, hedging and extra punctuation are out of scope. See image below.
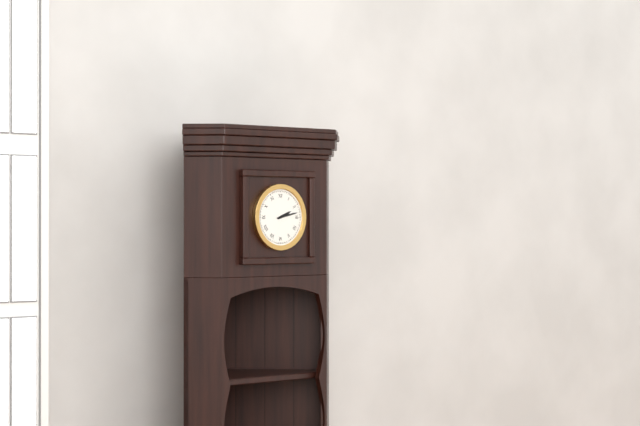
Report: 2.13
